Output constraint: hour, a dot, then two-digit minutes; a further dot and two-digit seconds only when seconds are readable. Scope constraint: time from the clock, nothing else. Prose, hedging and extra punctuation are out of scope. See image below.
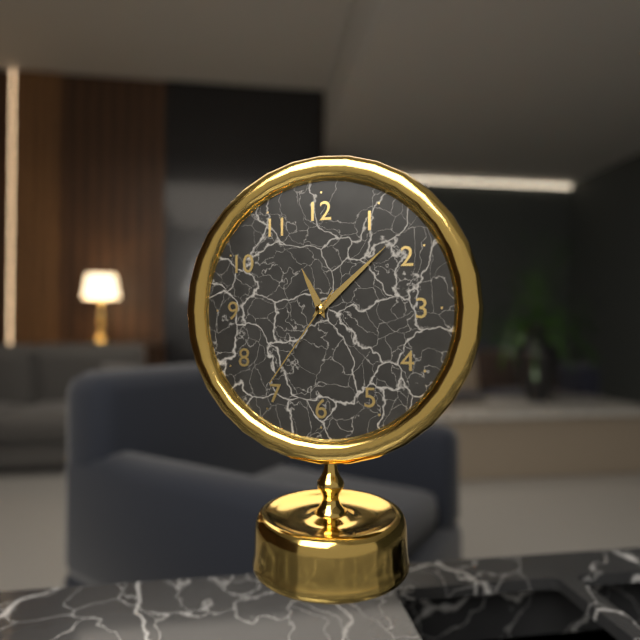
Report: 11.08.36
